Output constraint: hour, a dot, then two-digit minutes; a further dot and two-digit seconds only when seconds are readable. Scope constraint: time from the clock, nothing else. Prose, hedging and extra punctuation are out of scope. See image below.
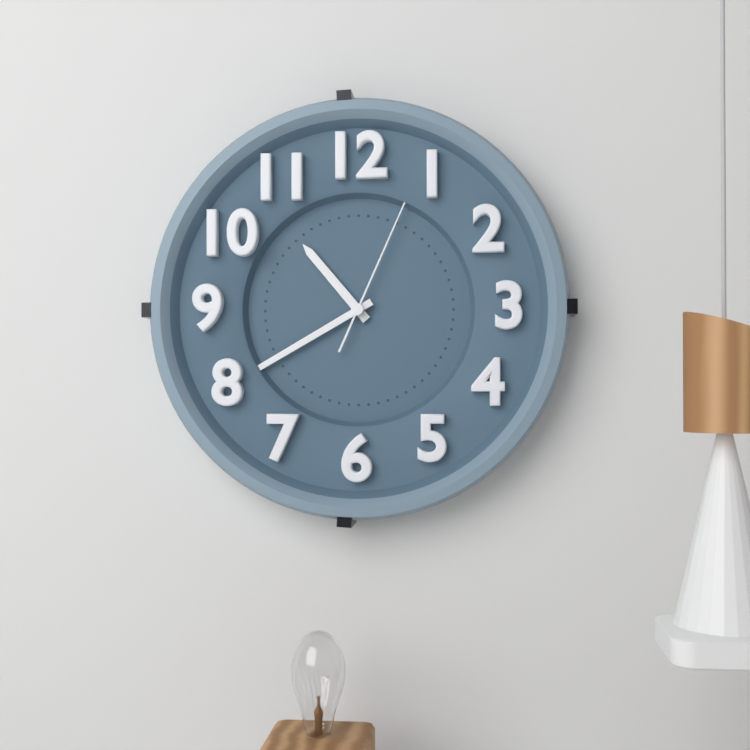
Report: 10.40.04
